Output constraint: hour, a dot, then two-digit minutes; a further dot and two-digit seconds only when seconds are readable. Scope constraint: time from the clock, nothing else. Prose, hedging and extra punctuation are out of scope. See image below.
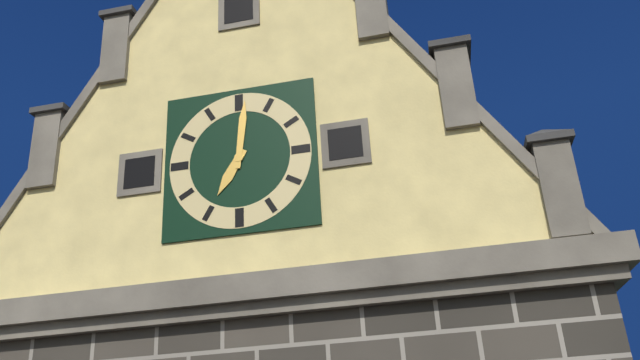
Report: 7.01
